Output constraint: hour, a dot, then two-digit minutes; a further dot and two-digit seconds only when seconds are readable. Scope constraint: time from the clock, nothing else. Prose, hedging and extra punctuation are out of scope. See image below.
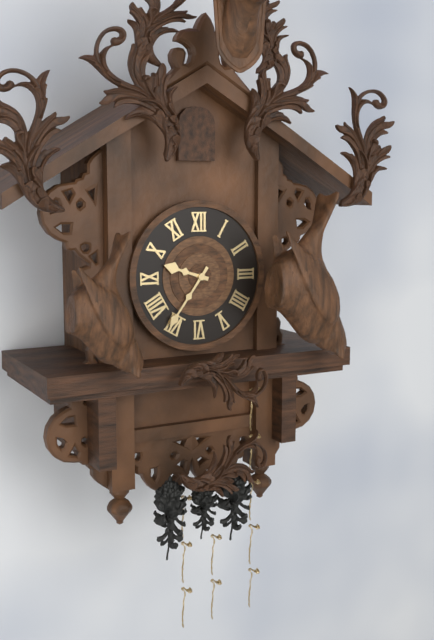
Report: 9.36
